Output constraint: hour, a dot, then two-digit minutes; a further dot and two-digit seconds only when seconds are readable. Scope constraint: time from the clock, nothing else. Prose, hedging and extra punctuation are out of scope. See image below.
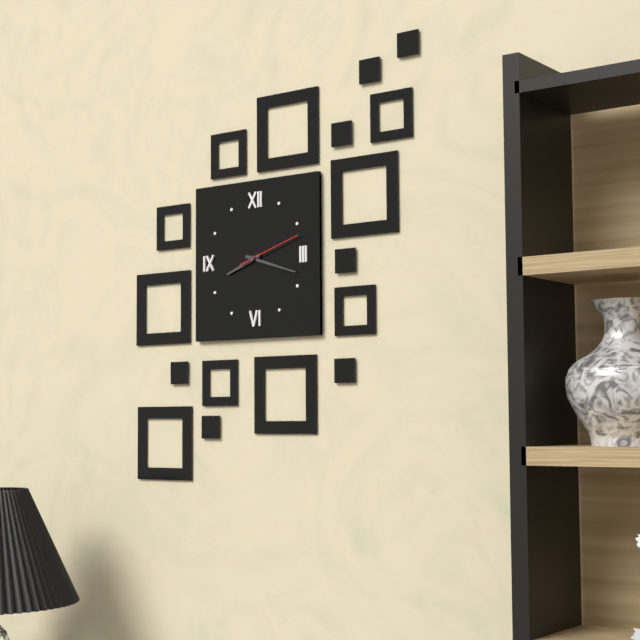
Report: 8.18.12
